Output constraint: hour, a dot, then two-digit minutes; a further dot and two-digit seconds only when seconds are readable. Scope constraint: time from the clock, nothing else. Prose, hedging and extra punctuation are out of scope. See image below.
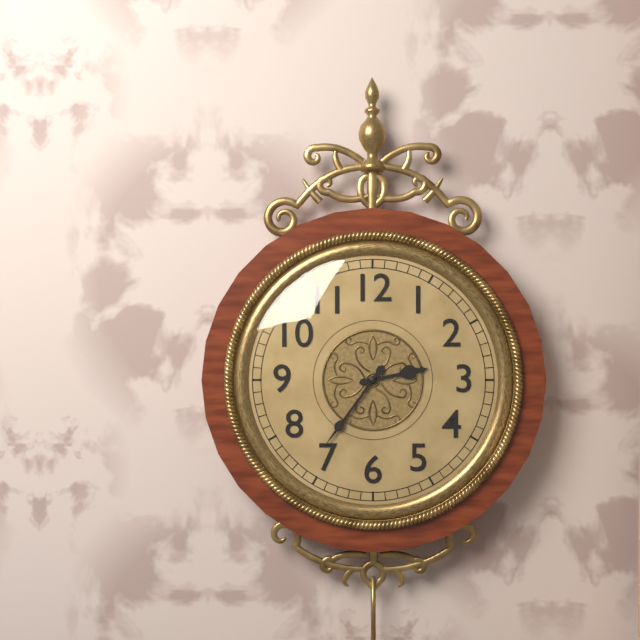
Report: 2.36
